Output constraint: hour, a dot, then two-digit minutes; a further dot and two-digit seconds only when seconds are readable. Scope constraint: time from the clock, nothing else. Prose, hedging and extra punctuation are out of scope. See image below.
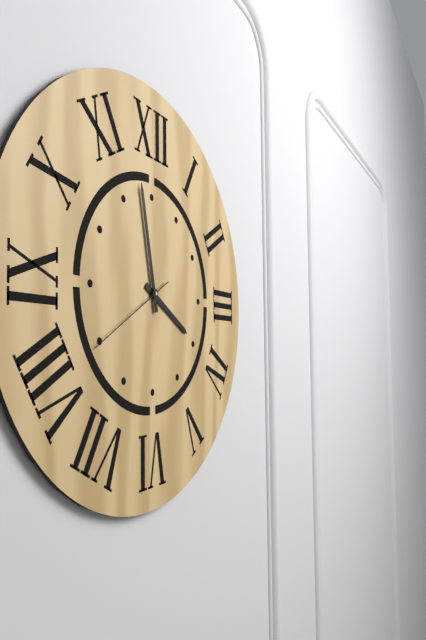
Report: 3.58.40
